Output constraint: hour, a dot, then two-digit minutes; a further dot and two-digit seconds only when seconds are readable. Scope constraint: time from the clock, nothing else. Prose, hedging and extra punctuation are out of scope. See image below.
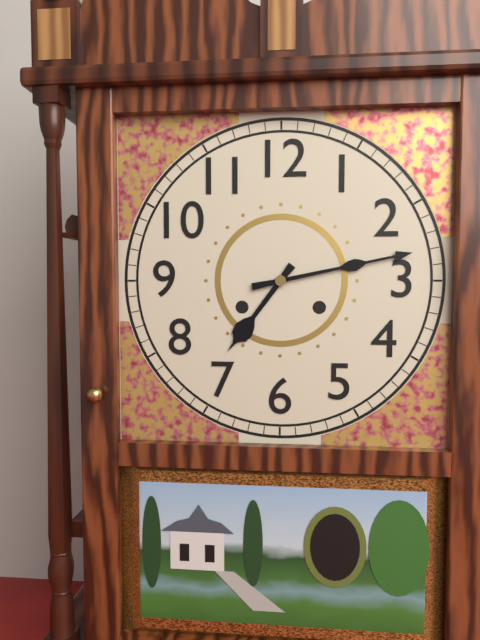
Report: 7.13
